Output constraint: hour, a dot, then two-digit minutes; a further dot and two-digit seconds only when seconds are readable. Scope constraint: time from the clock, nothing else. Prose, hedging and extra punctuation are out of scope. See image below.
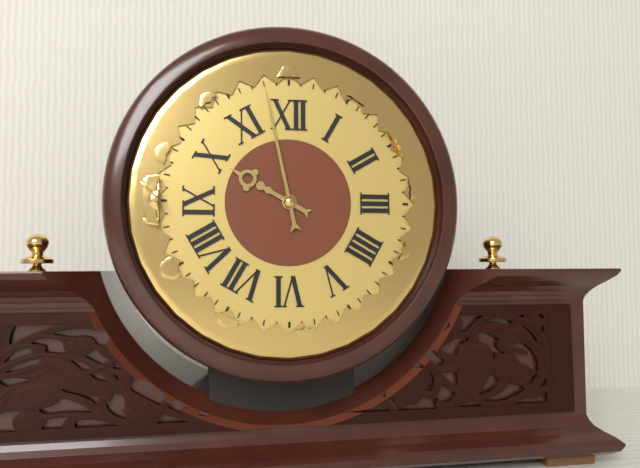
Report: 9.58
